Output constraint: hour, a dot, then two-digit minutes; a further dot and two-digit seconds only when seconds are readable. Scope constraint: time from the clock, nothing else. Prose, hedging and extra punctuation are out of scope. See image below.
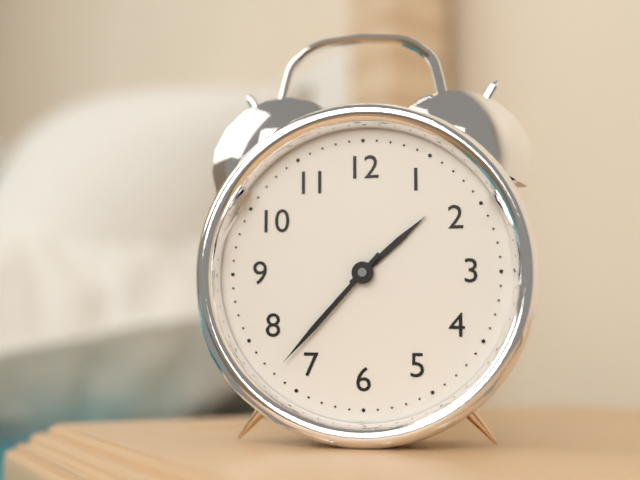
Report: 1.37
